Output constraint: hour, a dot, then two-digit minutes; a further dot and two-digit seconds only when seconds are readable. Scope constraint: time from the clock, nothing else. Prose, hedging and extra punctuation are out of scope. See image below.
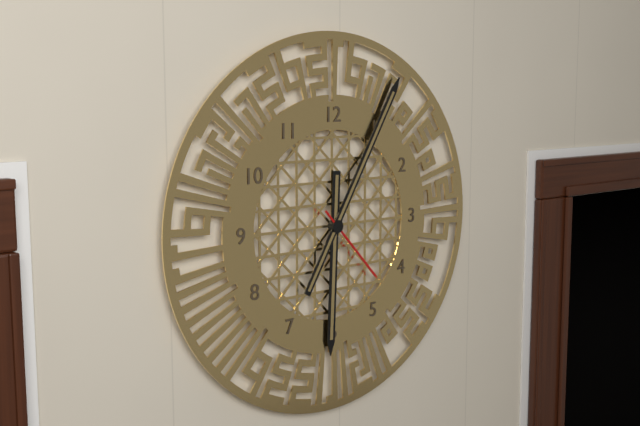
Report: 6.05.23
